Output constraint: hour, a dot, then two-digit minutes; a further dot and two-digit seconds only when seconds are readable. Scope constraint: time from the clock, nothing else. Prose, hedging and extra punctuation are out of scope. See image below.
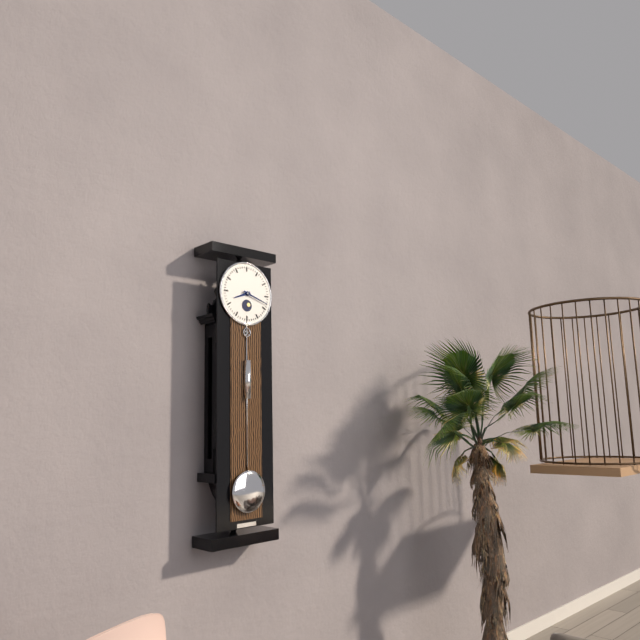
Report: 8.18
